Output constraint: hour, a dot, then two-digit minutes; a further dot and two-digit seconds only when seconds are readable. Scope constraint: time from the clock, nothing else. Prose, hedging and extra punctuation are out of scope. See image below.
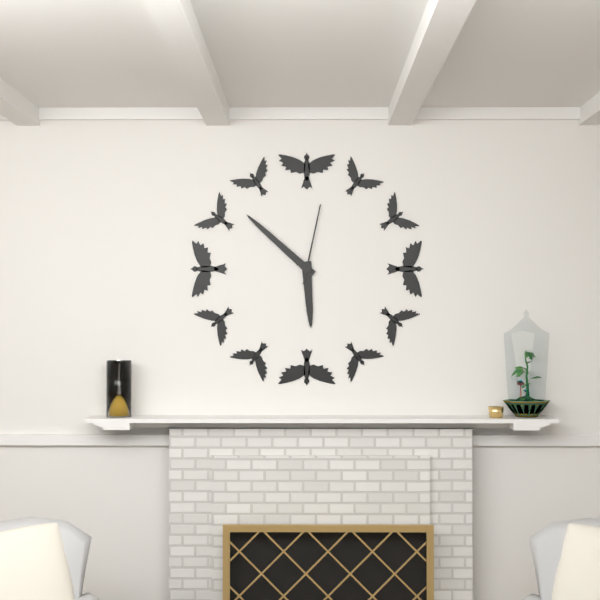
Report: 5.52.02
